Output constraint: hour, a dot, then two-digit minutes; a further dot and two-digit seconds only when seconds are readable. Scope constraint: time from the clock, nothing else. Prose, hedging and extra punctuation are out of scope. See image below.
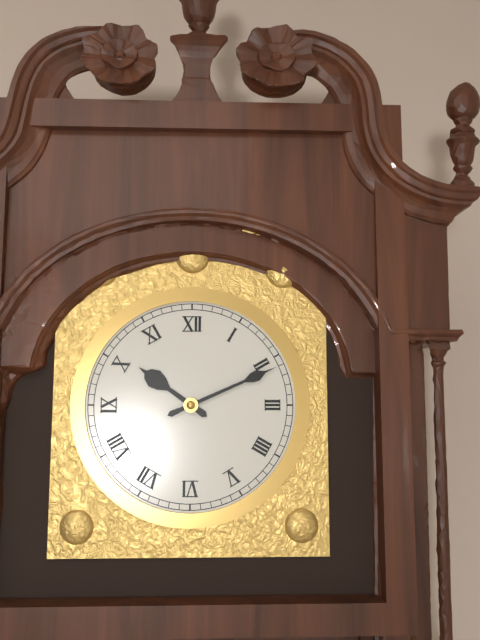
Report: 10.11
